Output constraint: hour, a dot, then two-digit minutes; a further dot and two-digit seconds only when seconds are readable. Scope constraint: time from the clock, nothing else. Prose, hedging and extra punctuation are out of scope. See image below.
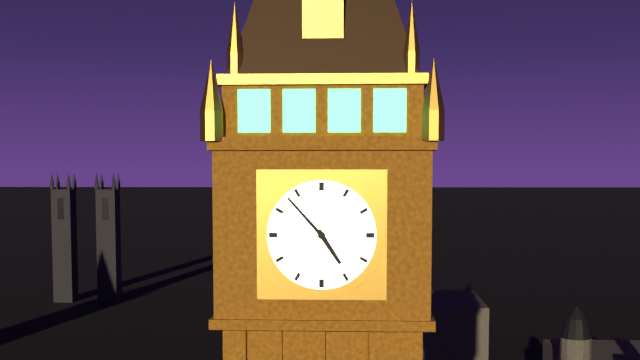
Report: 4.53
